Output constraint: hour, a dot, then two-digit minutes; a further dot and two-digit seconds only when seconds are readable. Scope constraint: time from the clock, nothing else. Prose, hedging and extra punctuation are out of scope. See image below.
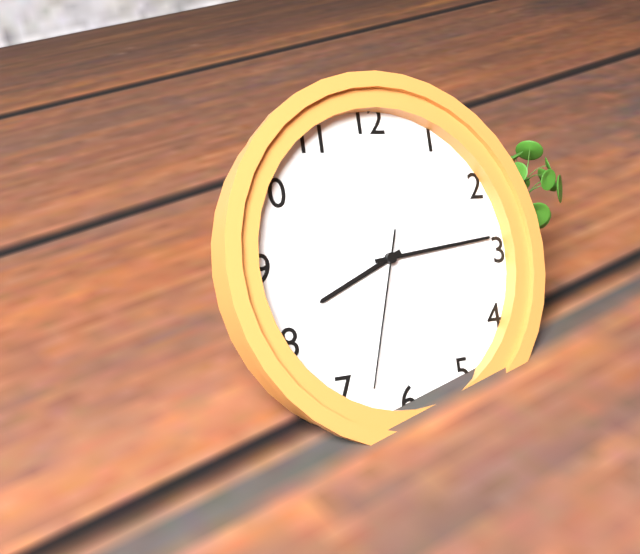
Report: 8.14.33
